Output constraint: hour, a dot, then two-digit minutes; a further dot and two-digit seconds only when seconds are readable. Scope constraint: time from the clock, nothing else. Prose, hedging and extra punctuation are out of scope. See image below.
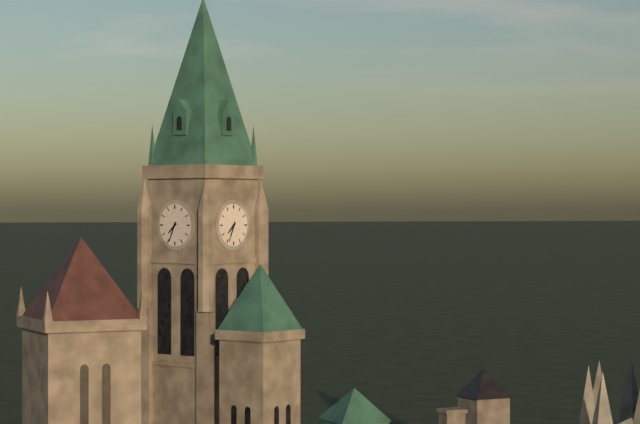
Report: 7.34
